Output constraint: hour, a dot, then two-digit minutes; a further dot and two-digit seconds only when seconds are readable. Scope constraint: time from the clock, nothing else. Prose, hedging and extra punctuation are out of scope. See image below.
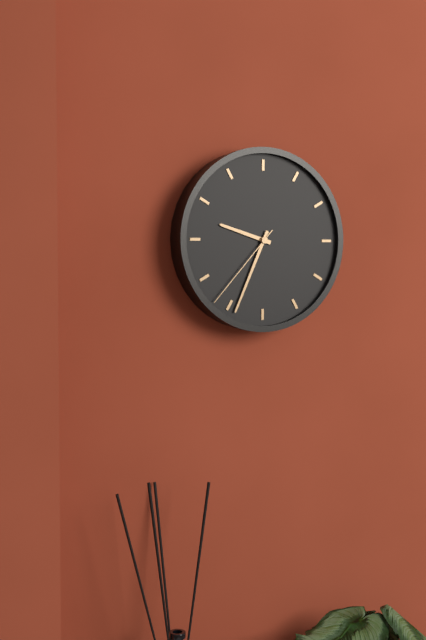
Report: 9.34.37
